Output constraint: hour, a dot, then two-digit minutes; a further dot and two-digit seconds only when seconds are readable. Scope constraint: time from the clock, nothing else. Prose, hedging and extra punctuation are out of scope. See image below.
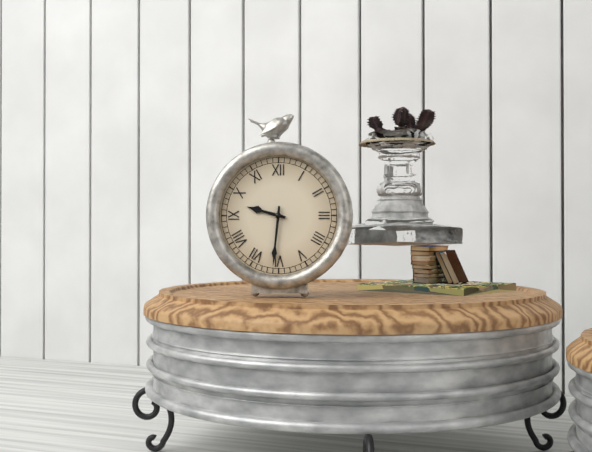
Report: 9.31
